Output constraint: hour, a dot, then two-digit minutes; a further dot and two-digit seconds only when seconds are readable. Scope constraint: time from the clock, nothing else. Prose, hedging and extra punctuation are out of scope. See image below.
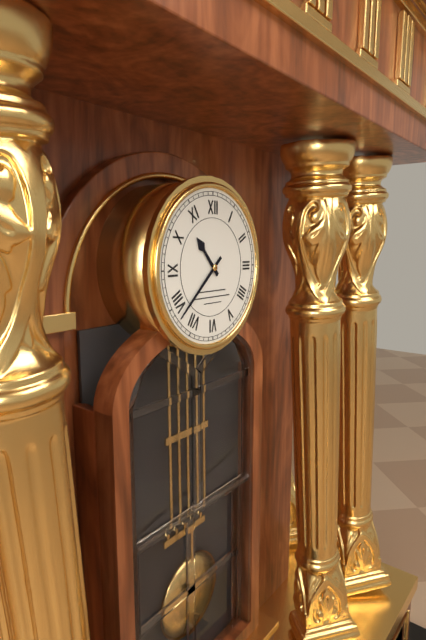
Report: 10.38
